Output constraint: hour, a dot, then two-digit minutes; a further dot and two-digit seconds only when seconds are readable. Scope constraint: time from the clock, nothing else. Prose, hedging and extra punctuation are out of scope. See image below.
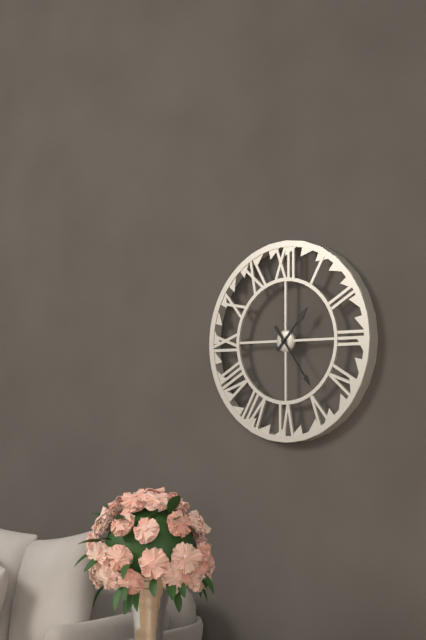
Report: 1.24
